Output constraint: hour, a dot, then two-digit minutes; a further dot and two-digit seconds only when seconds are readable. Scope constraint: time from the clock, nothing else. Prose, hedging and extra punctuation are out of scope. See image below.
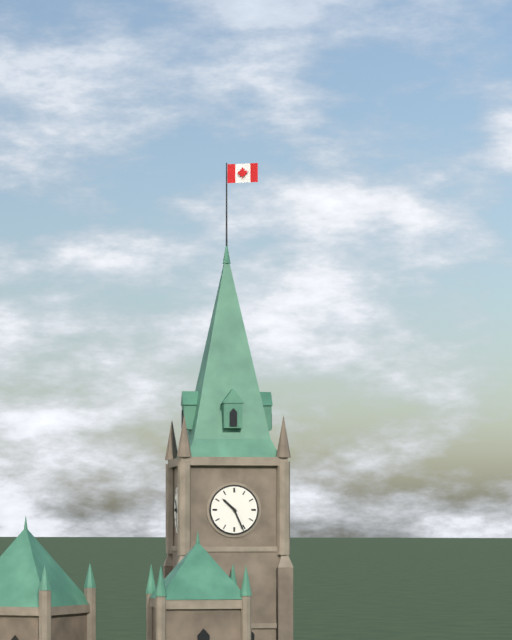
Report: 10.26
